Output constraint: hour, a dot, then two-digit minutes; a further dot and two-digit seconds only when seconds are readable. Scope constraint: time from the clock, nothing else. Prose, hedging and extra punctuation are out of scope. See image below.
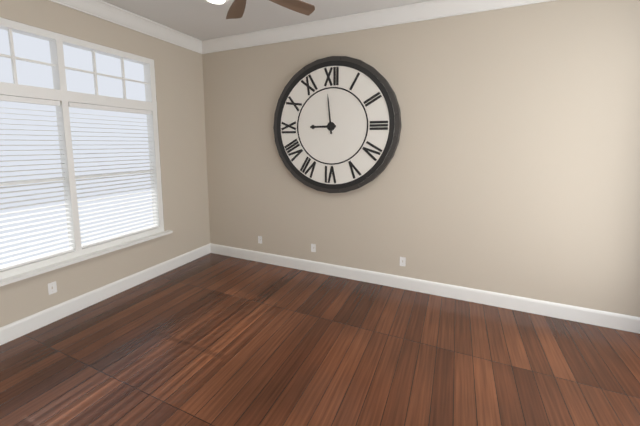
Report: 8.59
